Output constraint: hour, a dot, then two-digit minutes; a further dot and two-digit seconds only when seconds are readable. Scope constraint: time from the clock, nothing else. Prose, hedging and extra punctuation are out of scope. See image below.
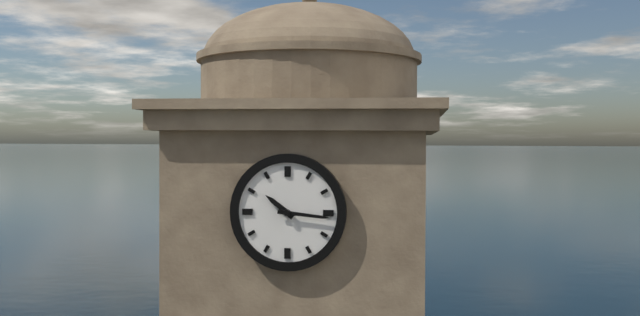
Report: 10.16
